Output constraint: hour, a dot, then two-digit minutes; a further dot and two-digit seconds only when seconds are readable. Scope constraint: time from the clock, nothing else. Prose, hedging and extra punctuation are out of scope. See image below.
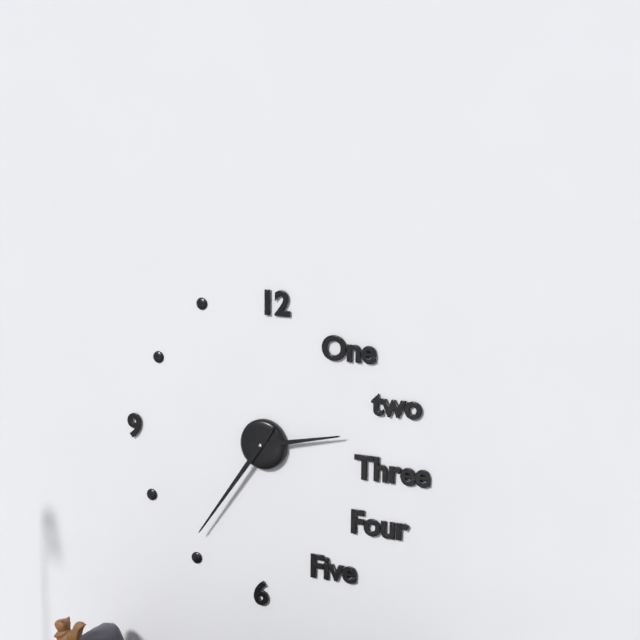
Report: 2.36
